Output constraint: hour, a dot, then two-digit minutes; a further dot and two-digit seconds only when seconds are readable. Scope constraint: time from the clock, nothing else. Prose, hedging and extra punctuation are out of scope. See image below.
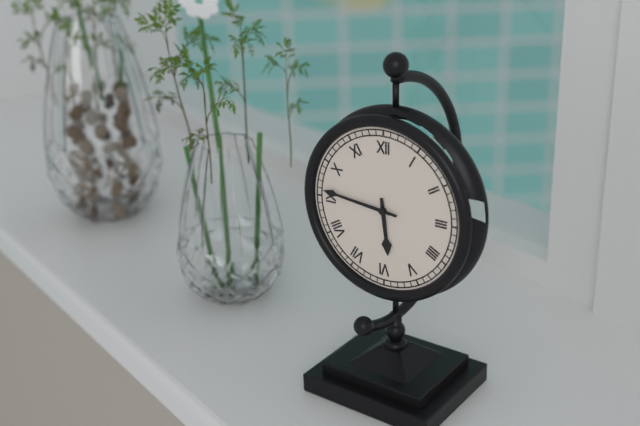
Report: 5.46
